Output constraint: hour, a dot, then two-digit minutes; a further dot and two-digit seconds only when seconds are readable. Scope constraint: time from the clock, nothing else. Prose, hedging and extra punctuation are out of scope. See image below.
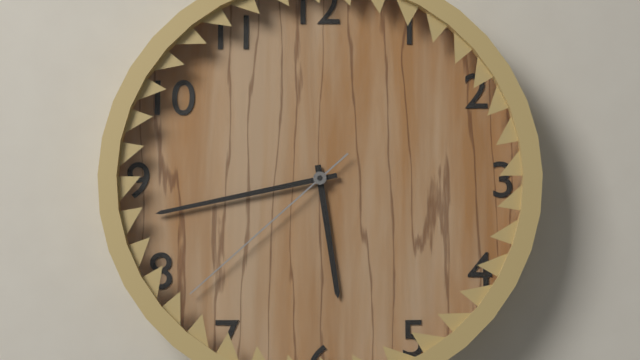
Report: 5.43.38
